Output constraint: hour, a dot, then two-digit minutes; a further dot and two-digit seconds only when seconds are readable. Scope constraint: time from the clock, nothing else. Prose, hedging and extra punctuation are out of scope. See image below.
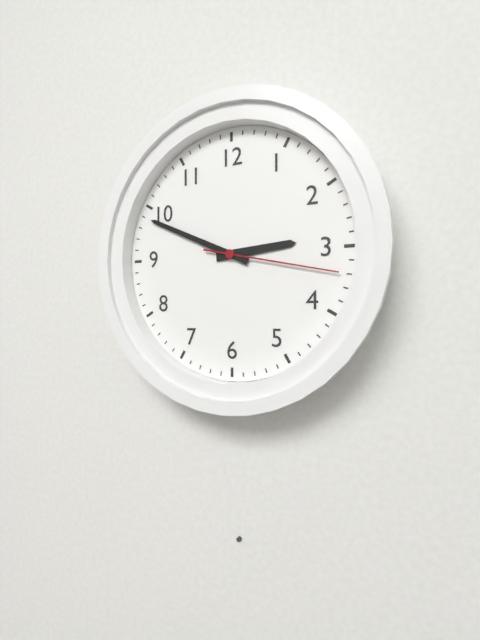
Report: 2.49.17
